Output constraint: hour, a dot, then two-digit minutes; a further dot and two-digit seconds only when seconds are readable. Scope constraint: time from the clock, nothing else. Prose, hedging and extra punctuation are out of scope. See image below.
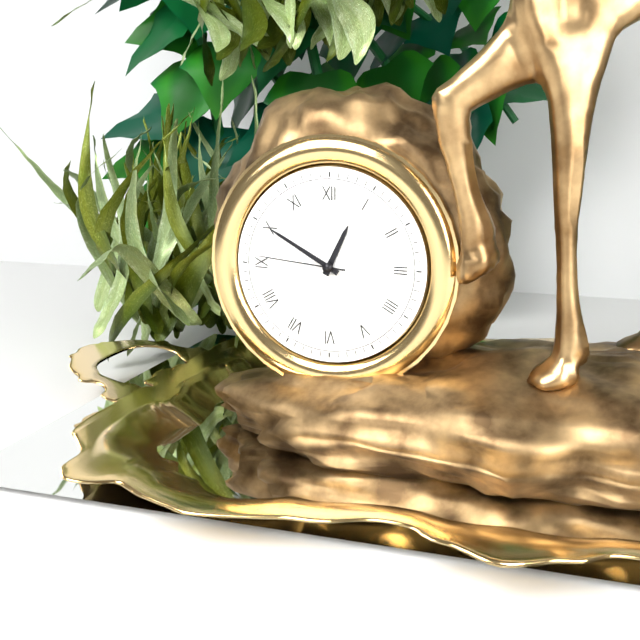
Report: 12.50.46
